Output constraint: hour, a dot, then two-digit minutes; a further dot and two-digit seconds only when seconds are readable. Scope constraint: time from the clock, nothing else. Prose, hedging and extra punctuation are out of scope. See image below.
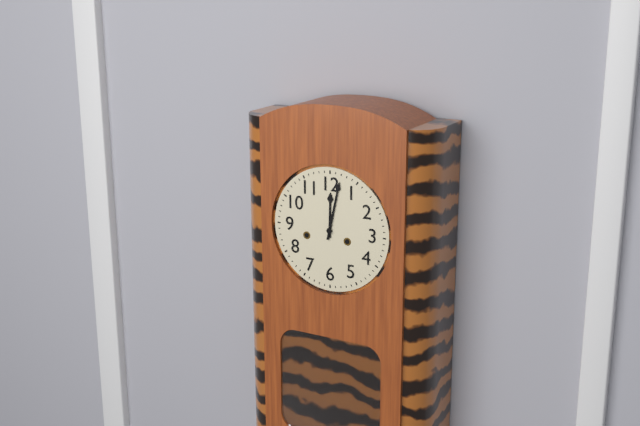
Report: 12.02
